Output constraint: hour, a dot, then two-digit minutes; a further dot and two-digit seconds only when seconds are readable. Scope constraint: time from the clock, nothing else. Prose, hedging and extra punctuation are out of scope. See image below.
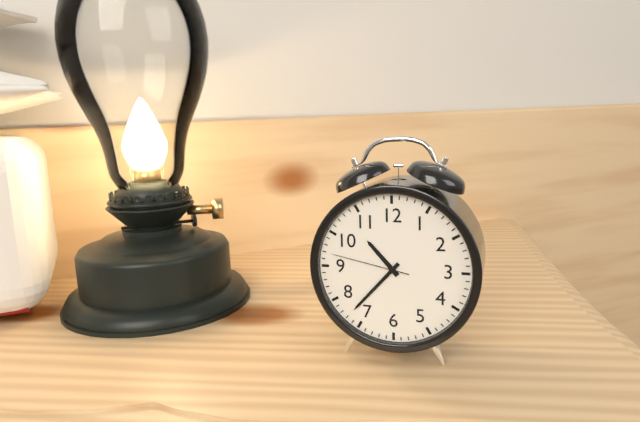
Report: 10.37.47
